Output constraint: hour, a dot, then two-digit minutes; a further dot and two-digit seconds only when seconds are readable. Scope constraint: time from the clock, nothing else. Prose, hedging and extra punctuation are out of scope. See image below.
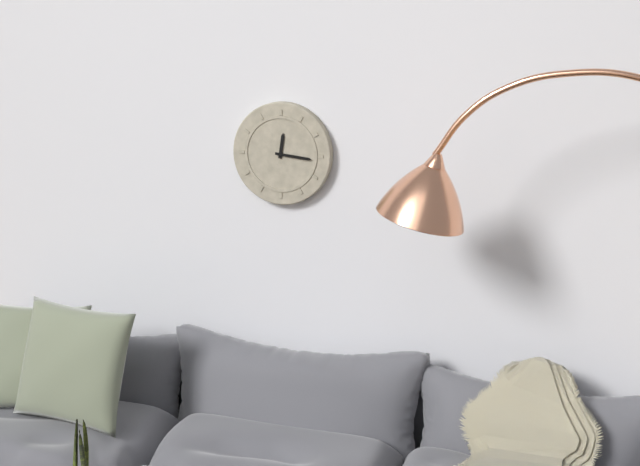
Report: 12.16
